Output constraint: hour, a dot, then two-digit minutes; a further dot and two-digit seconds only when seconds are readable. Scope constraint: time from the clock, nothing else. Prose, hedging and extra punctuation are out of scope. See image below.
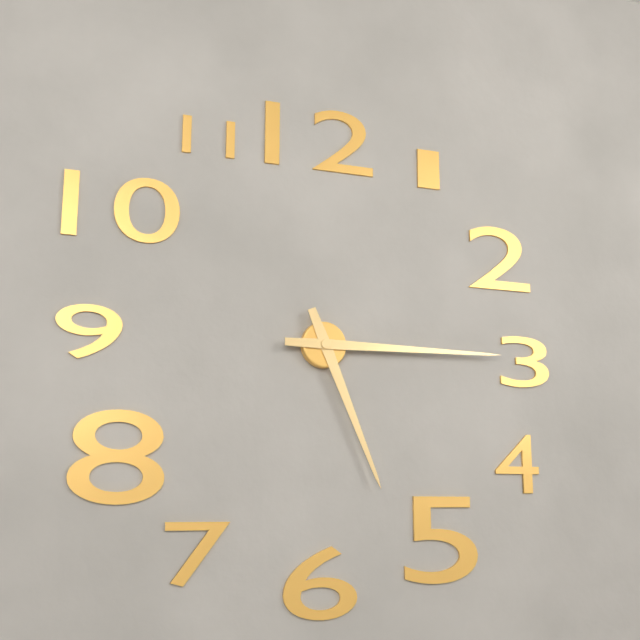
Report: 5.15
